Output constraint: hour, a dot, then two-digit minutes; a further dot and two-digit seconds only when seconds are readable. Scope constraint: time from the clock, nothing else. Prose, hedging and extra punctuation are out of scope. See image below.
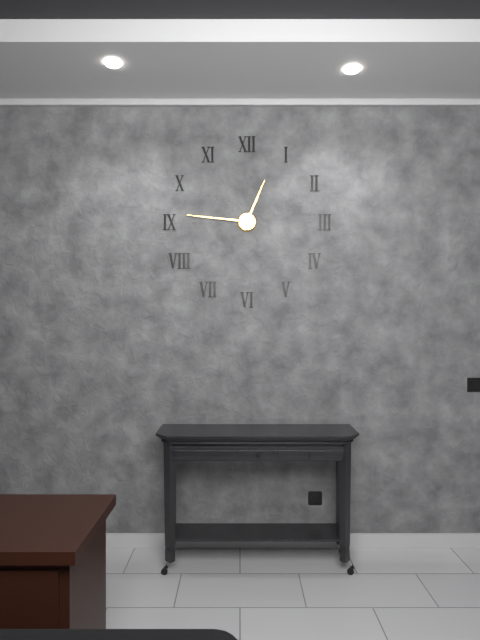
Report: 12.46
